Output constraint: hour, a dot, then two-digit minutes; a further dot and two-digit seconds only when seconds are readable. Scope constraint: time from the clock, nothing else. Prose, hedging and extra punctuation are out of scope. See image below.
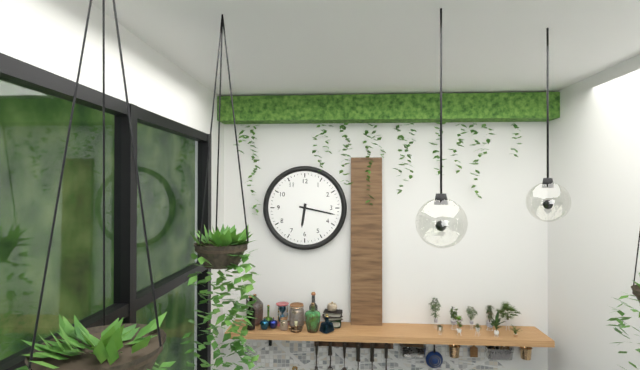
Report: 6.17
